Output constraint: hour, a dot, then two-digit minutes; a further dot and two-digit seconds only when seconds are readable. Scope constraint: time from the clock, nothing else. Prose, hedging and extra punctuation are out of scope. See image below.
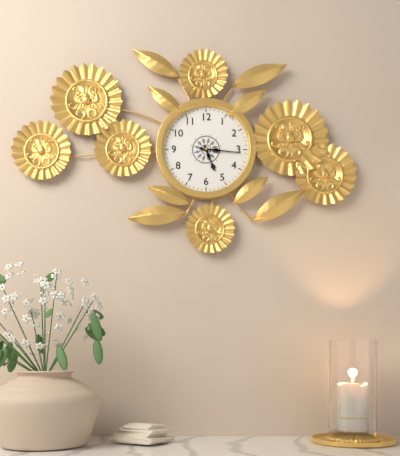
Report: 5.16
